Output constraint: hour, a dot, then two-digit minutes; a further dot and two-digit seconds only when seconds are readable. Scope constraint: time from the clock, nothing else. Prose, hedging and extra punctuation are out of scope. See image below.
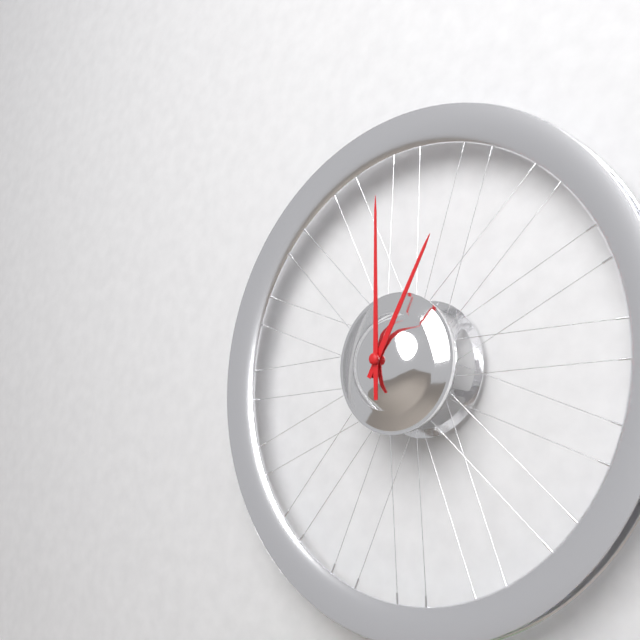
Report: 1.00
